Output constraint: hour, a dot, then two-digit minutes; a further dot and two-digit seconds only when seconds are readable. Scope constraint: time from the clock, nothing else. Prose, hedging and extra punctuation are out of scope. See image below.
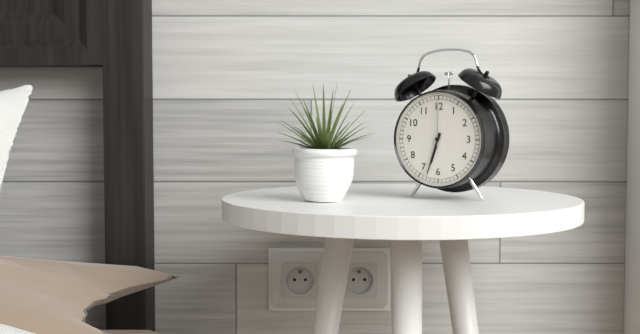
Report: 6.33.00
